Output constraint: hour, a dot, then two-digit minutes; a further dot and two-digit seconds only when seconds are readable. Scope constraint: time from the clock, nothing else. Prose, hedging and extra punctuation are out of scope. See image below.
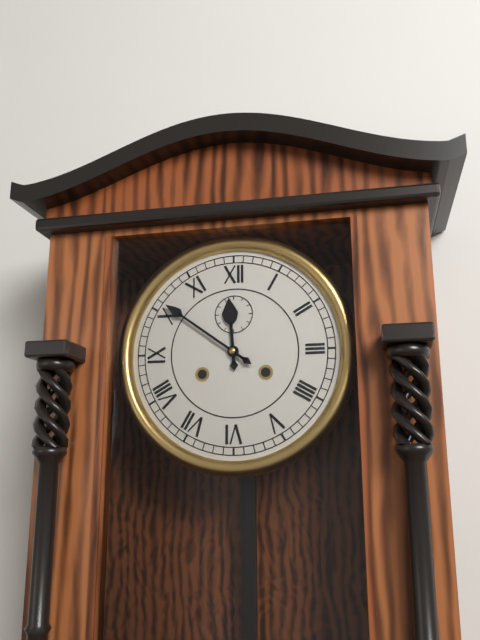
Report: 11.51
